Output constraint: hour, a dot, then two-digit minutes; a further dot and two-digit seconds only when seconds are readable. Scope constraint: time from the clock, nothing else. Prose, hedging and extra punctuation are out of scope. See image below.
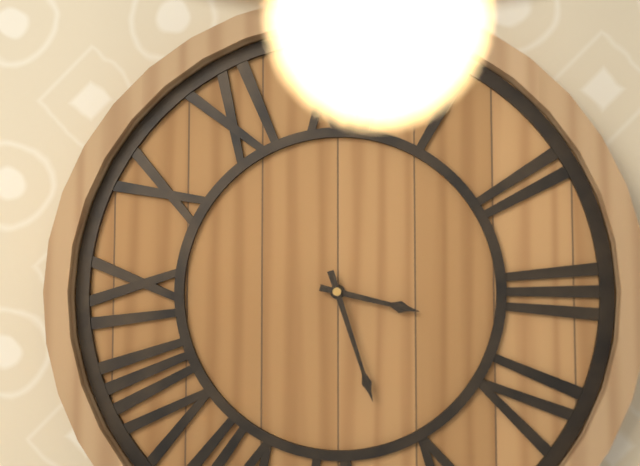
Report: 3.27
